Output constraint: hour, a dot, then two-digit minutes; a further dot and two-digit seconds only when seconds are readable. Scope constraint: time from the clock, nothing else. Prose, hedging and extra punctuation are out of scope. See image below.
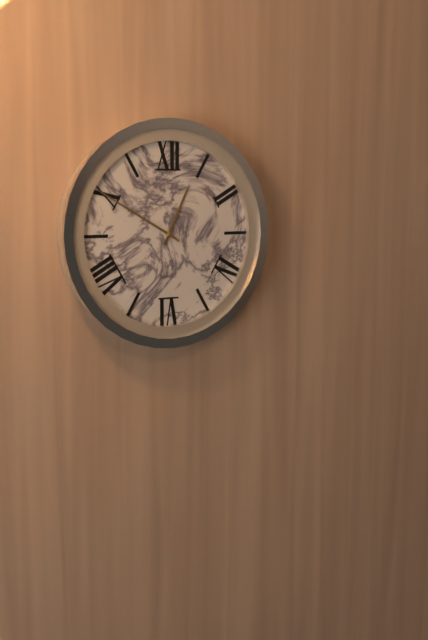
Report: 12.50
